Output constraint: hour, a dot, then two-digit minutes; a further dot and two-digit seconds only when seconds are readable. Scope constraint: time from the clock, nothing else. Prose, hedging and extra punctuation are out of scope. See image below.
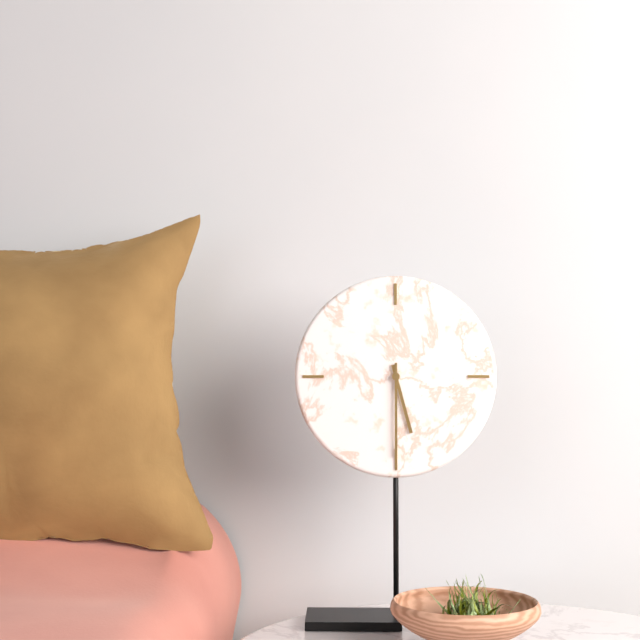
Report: 5.30
